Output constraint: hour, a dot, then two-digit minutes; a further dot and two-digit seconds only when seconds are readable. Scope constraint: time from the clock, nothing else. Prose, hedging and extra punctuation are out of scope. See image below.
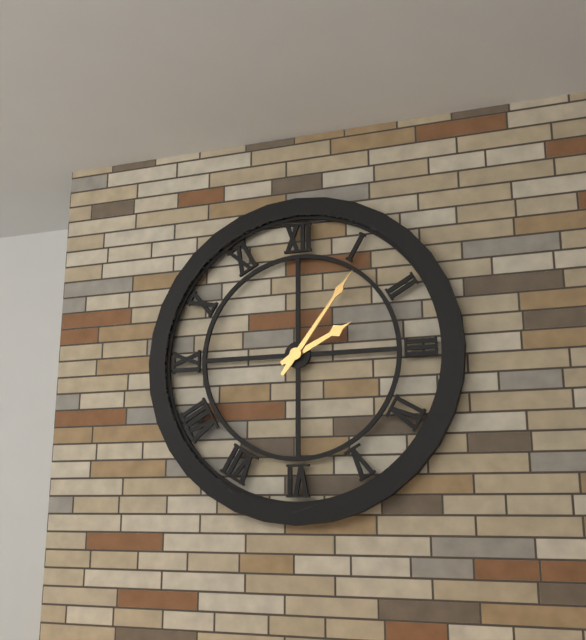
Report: 2.06
